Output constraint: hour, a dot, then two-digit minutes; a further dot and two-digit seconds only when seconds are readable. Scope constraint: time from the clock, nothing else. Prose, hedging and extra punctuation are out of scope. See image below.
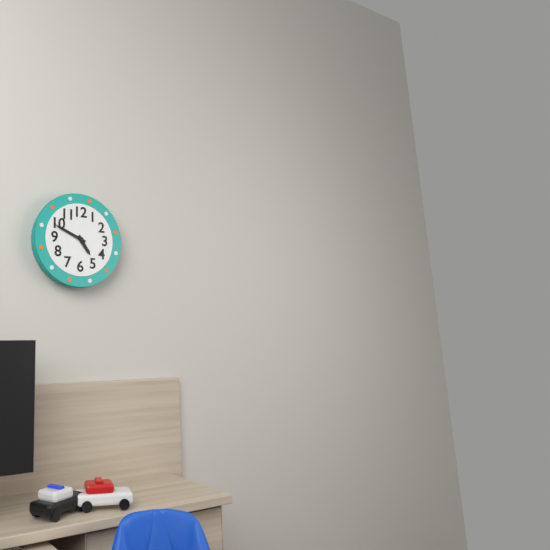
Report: 4.49
